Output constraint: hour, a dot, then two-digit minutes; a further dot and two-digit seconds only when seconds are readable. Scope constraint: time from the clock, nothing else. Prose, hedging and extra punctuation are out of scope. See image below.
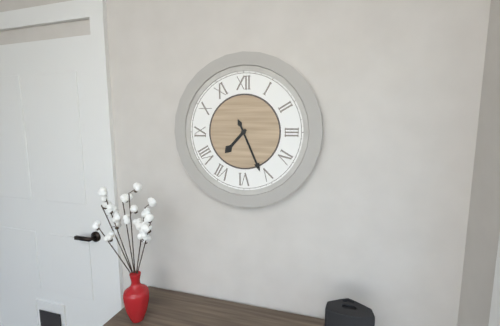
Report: 7.26
